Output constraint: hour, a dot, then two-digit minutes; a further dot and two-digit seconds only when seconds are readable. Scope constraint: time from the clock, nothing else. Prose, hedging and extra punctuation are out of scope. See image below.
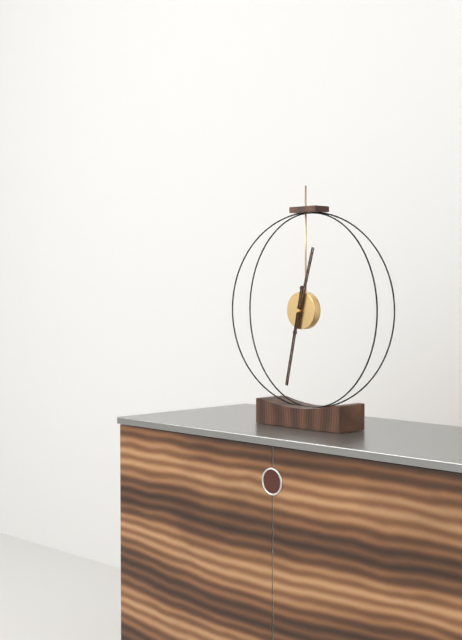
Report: 12.32
